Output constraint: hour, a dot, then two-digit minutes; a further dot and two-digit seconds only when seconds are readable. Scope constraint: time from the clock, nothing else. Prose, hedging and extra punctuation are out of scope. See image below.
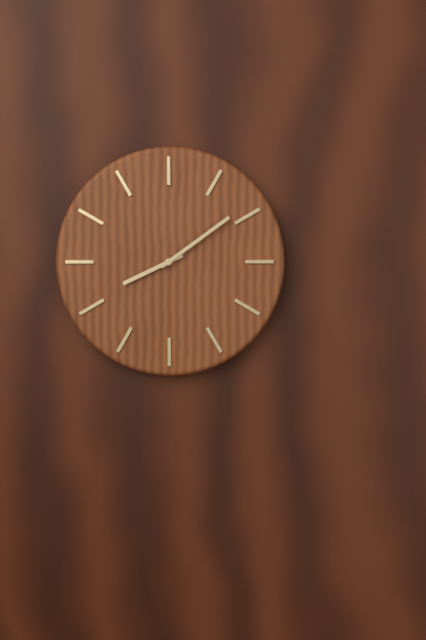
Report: 8.09
